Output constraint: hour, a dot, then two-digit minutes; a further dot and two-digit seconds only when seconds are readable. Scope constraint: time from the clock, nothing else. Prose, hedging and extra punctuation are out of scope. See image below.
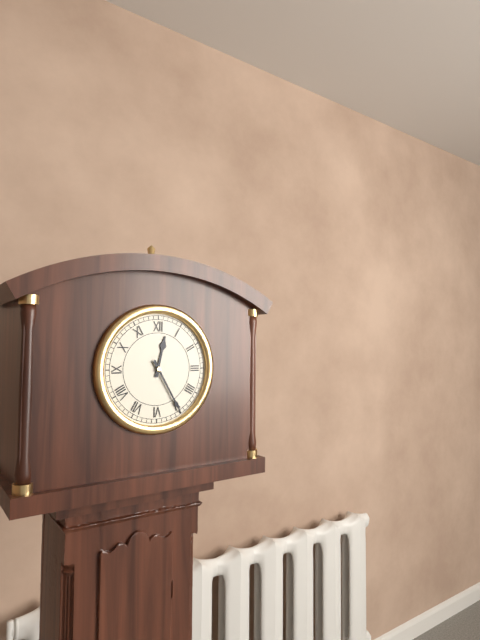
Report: 12.25
